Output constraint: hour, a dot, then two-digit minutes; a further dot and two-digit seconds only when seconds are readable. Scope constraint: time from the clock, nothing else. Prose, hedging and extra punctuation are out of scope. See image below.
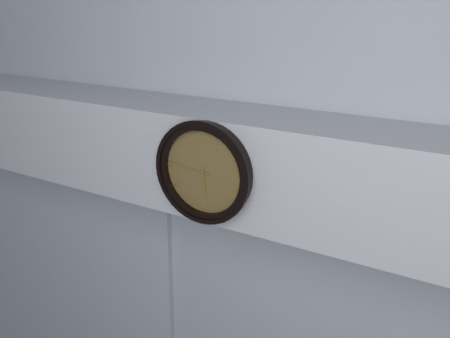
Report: 5.46
